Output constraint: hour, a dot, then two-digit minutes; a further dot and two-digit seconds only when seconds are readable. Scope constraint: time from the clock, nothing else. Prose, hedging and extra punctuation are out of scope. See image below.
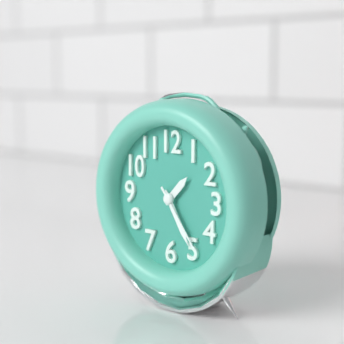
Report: 1.25.24
